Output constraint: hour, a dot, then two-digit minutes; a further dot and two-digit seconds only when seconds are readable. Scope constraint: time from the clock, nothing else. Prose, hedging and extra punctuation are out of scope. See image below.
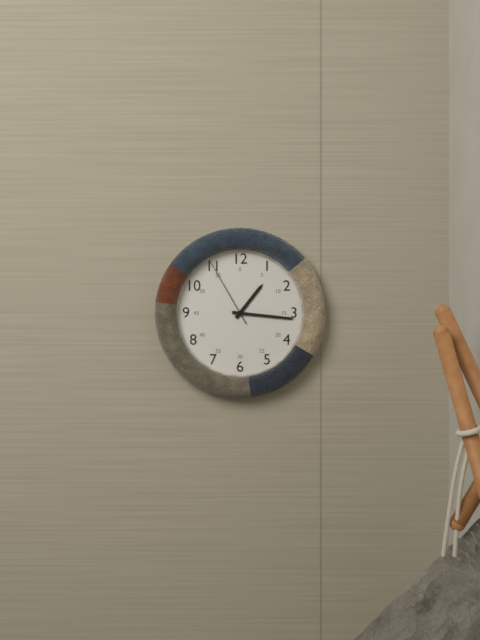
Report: 1.16.55
